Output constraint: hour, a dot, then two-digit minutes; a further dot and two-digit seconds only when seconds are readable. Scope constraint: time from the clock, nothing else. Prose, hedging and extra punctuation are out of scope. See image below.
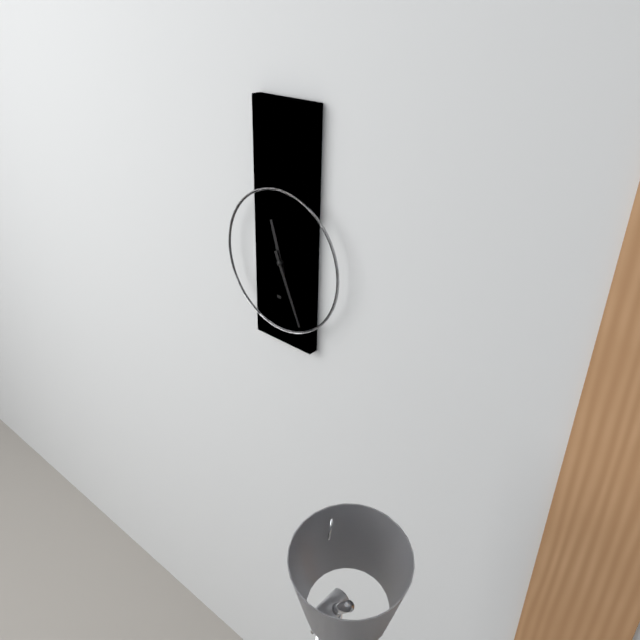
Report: 11.26
